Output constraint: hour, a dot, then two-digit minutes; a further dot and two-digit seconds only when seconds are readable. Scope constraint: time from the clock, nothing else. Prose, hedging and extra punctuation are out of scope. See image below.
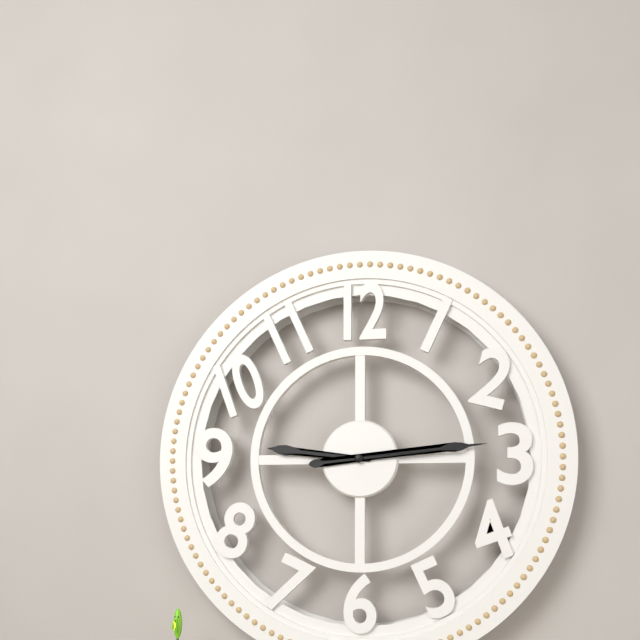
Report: 9.14
